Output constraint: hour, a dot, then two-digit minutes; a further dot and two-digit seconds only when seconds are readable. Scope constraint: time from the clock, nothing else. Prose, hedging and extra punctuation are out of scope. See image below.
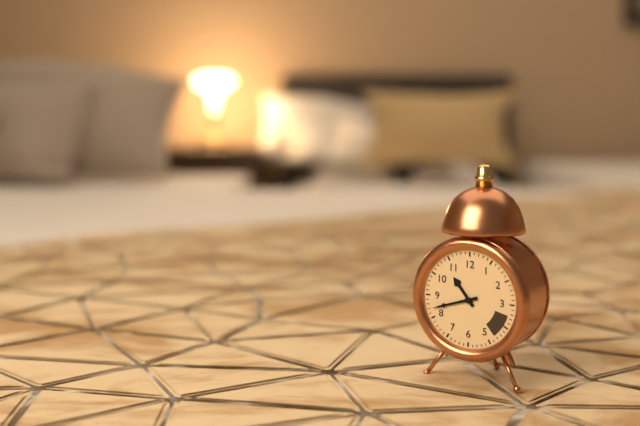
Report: 10.42
